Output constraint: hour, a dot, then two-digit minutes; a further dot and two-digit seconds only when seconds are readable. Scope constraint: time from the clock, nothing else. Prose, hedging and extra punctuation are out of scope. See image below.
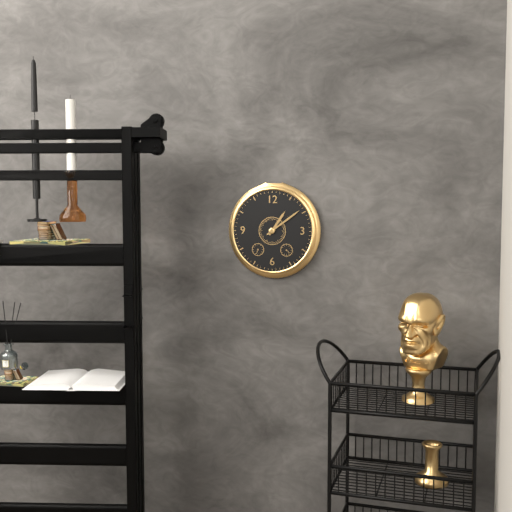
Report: 1.09
